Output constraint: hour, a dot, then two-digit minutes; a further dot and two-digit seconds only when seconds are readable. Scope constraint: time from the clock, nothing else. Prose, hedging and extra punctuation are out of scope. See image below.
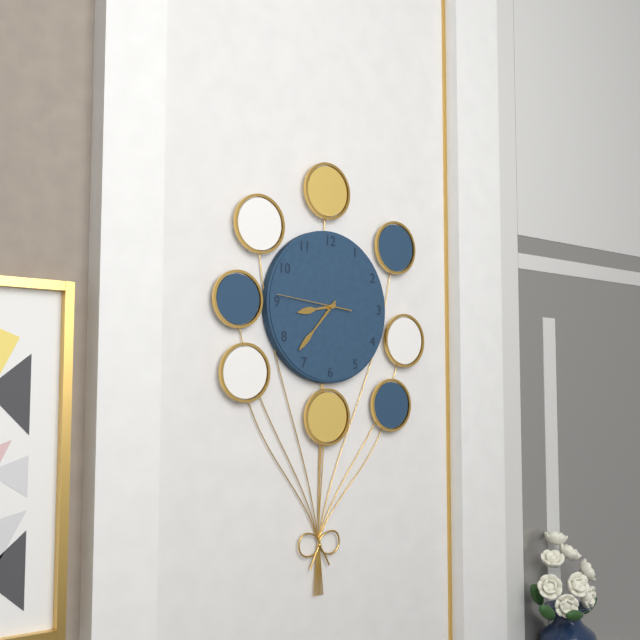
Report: 8.37.46
